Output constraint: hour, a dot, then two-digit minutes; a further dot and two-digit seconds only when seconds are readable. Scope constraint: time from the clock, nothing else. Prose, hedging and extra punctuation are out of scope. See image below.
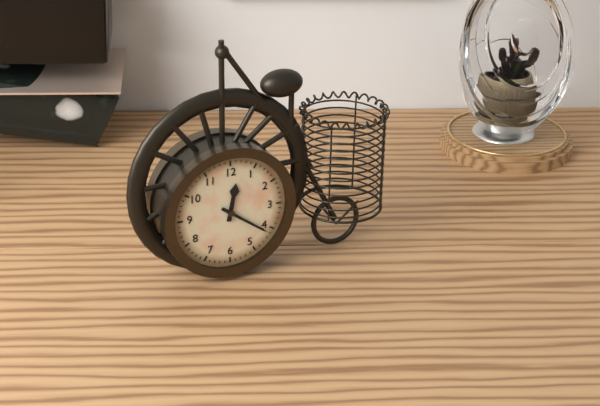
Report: 12.21
